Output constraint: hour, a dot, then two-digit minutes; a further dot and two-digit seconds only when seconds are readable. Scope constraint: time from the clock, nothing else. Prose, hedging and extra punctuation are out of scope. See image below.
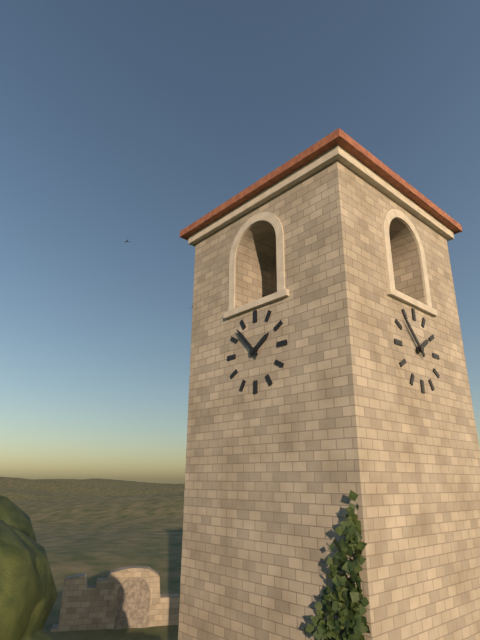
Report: 1.53
